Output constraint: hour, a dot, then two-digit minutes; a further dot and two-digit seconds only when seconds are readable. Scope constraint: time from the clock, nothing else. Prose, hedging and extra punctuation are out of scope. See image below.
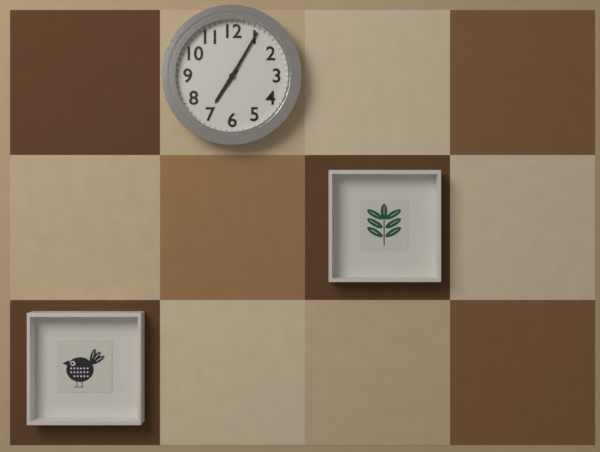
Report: 7.05
